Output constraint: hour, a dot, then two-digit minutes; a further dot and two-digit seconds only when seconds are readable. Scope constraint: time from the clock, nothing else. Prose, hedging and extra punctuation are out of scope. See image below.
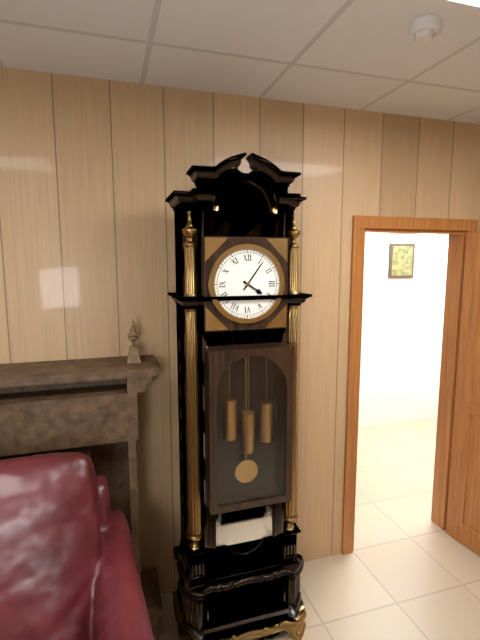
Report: 4.06
